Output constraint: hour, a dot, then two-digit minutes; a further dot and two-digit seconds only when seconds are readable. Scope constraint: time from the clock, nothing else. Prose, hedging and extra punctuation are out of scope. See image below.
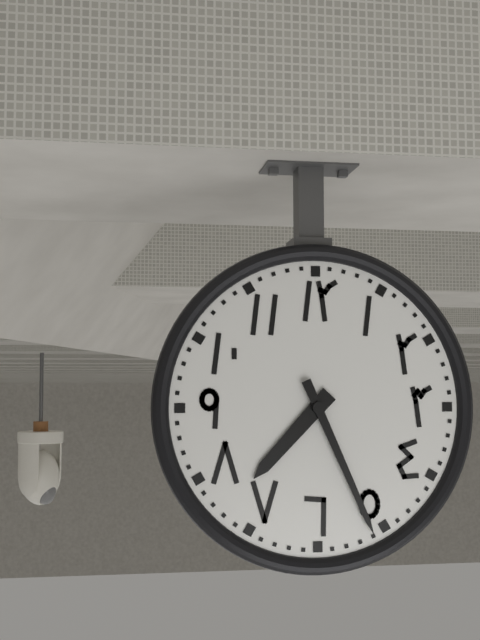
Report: 7.26
